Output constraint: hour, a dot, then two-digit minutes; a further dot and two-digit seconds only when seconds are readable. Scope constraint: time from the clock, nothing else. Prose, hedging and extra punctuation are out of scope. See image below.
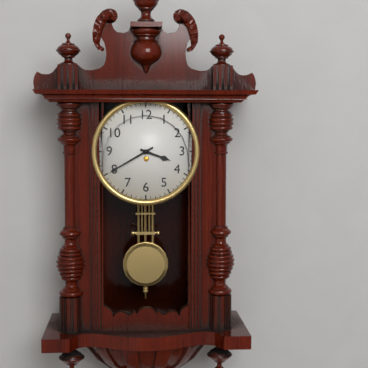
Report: 3.40
